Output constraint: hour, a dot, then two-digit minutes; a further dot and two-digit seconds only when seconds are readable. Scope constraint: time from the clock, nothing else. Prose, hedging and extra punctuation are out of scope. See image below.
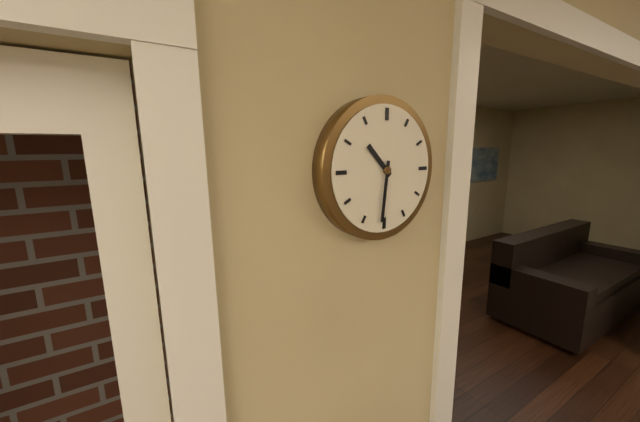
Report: 10.31
